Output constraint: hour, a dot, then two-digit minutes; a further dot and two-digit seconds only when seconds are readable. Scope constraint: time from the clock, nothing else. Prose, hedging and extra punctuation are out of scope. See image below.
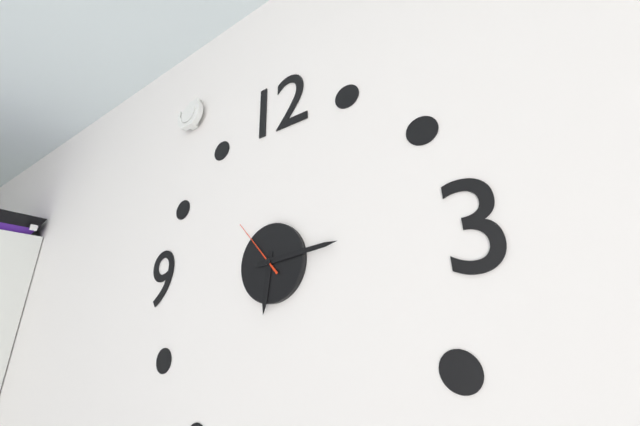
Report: 6.14.53
